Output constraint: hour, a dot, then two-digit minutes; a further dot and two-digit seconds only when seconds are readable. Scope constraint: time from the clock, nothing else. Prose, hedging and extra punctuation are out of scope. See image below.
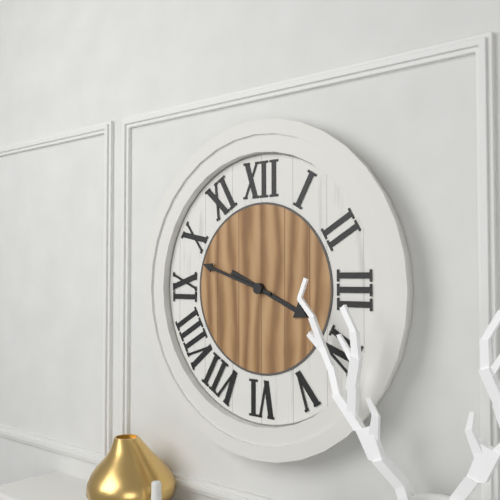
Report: 3.48
